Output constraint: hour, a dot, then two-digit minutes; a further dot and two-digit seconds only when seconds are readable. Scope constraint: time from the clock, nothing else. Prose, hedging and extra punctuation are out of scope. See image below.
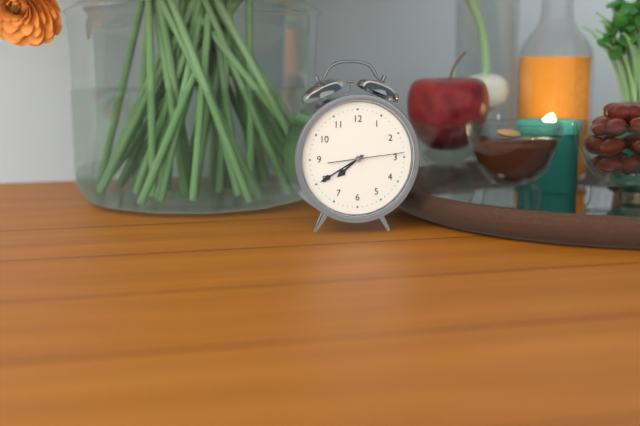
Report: 7.40.14
